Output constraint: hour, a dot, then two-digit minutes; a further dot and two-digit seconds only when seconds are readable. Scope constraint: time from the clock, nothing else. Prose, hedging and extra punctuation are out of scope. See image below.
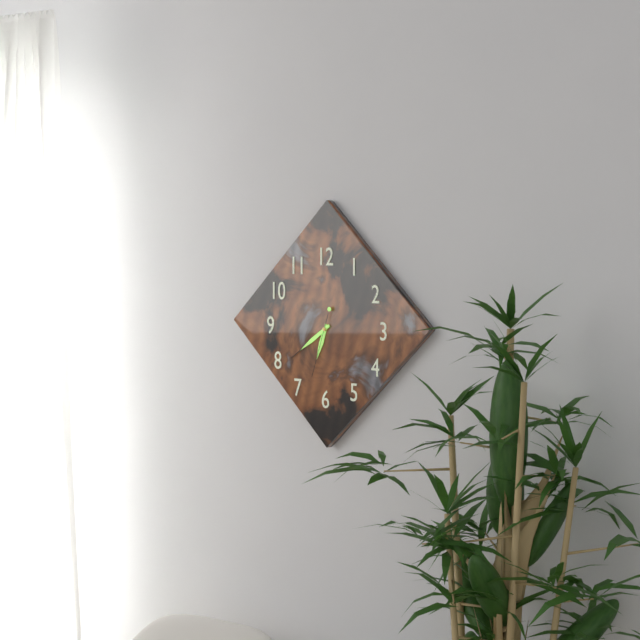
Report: 6.39.33
